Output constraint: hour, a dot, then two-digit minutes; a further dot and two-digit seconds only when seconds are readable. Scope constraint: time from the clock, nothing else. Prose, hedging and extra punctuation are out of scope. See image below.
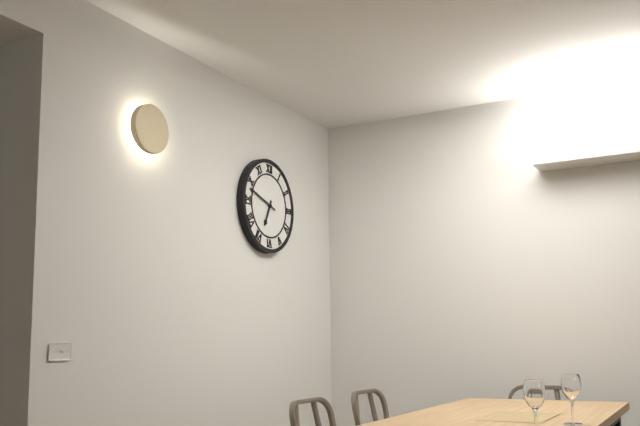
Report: 6.48
